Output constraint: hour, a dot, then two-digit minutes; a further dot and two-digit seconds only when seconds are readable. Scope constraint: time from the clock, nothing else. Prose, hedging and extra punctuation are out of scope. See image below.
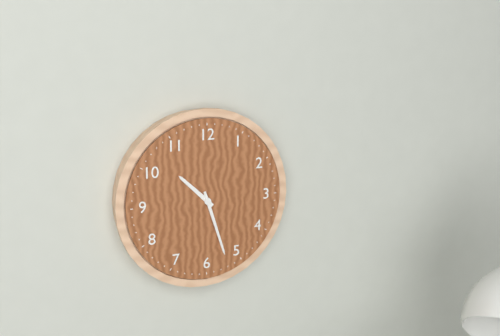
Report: 10.27
